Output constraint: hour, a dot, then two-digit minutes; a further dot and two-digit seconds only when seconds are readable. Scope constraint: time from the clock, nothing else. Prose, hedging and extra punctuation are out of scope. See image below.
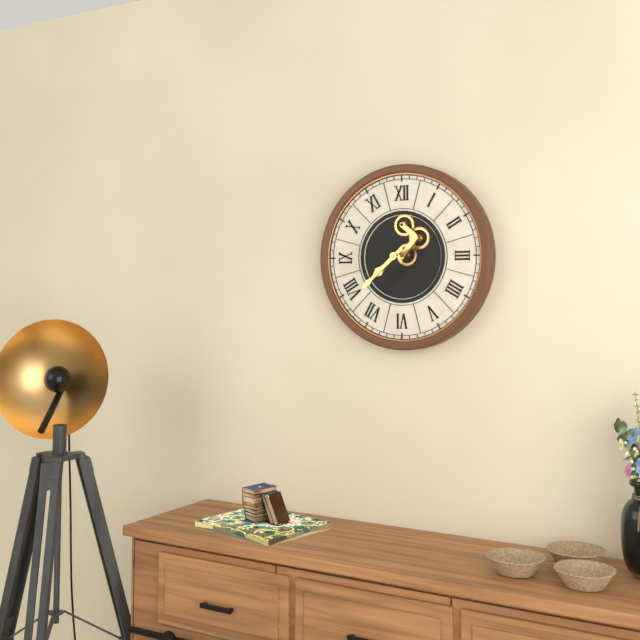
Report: 7.38
